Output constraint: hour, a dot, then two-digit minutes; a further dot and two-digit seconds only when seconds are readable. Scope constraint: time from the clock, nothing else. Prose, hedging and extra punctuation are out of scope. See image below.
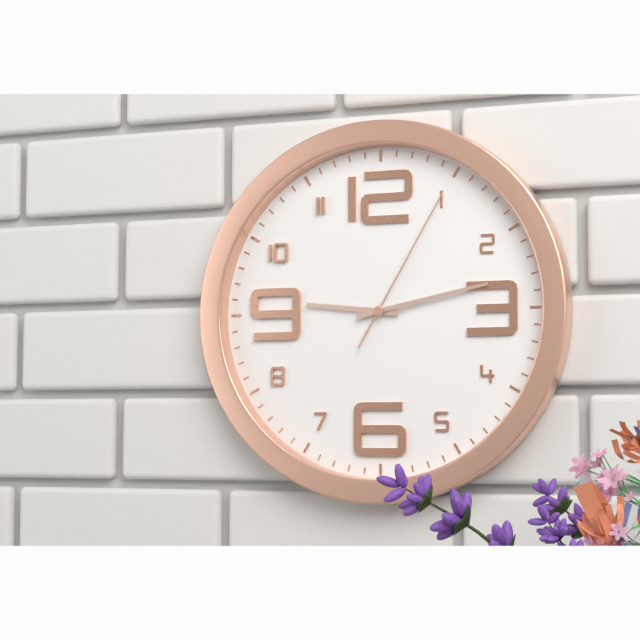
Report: 9.13.05
